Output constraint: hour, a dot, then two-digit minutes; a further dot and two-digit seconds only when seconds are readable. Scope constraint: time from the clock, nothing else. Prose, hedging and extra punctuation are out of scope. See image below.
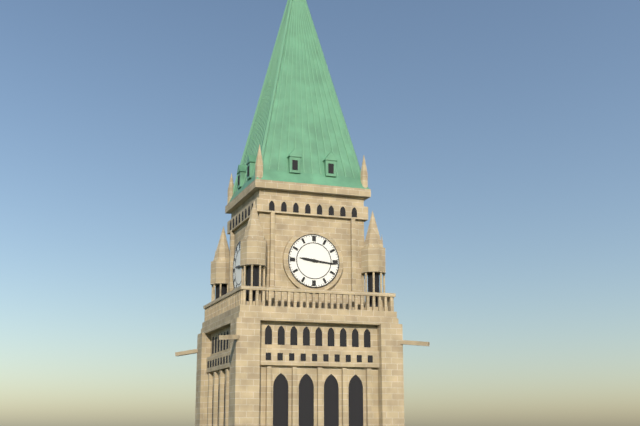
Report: 9.16
